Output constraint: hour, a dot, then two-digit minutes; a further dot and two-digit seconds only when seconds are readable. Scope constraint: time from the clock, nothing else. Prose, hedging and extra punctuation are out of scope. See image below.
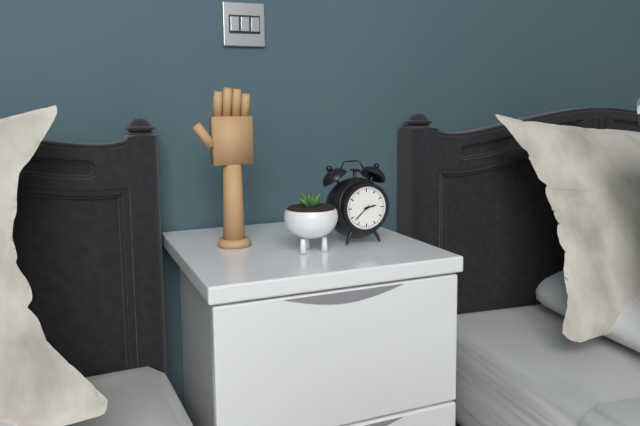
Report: 2.38
